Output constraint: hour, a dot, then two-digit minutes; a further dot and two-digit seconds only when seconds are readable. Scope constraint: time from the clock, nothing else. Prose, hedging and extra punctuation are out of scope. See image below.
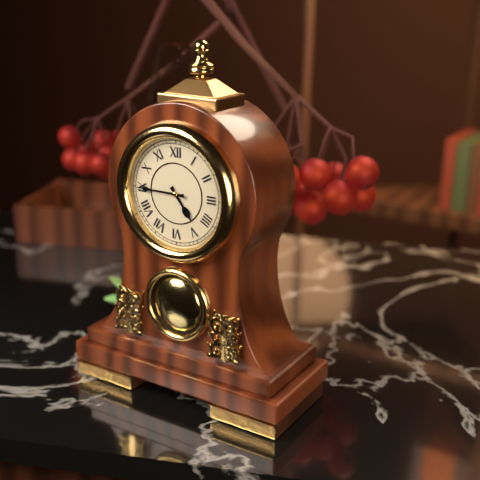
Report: 4.45
